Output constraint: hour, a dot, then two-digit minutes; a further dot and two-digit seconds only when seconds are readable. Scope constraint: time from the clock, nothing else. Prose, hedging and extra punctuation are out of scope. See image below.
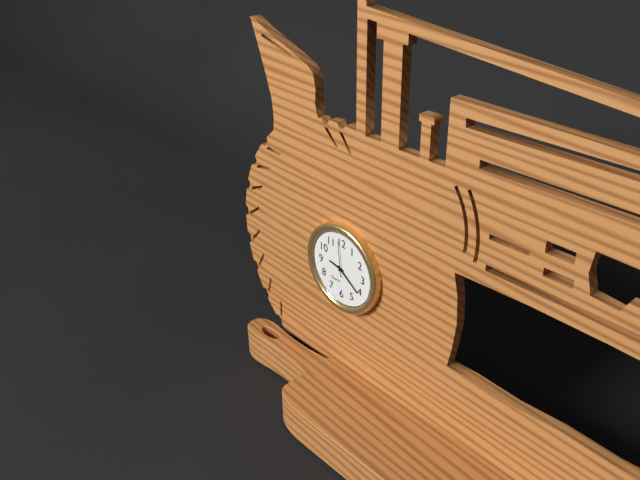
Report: 9.21
